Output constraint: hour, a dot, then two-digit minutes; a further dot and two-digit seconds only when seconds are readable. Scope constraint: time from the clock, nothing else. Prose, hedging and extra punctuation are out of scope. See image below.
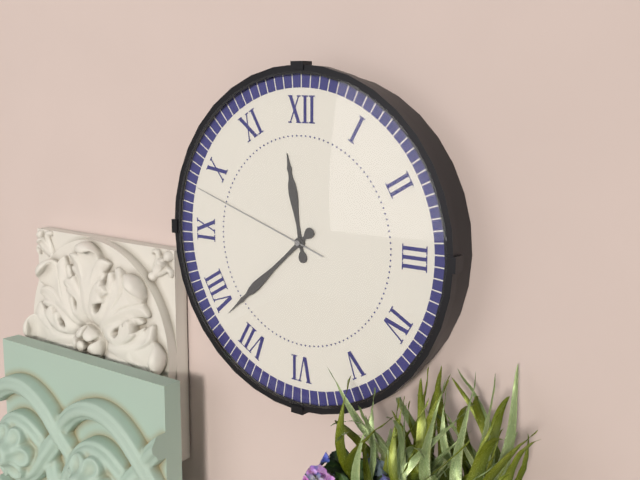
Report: 11.38.48
